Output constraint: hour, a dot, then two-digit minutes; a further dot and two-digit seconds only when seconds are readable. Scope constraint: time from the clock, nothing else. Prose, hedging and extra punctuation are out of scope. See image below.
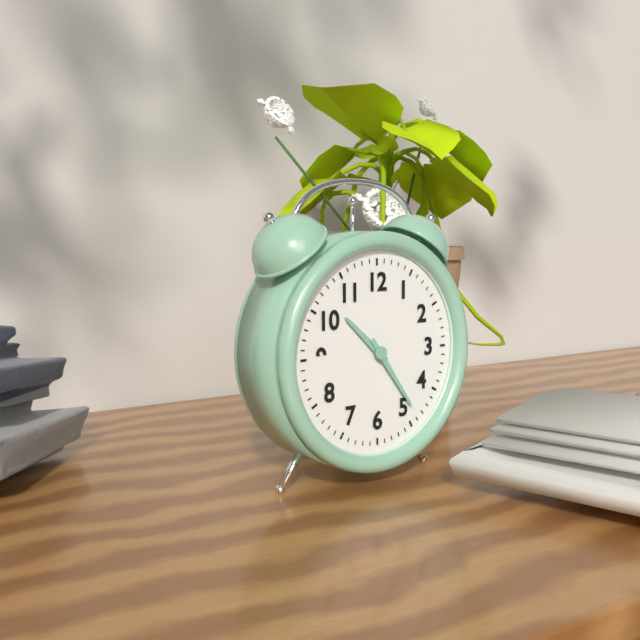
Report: 10.24
